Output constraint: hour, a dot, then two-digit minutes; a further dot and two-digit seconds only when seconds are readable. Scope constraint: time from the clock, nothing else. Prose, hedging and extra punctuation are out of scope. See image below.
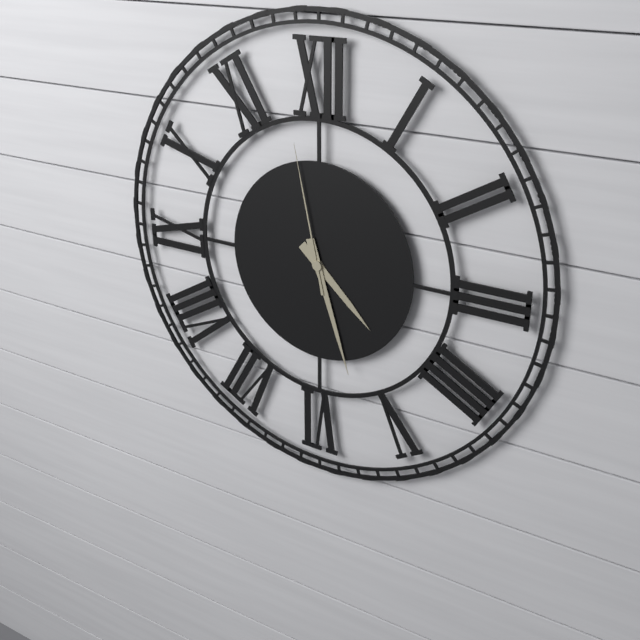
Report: 4.27.58
